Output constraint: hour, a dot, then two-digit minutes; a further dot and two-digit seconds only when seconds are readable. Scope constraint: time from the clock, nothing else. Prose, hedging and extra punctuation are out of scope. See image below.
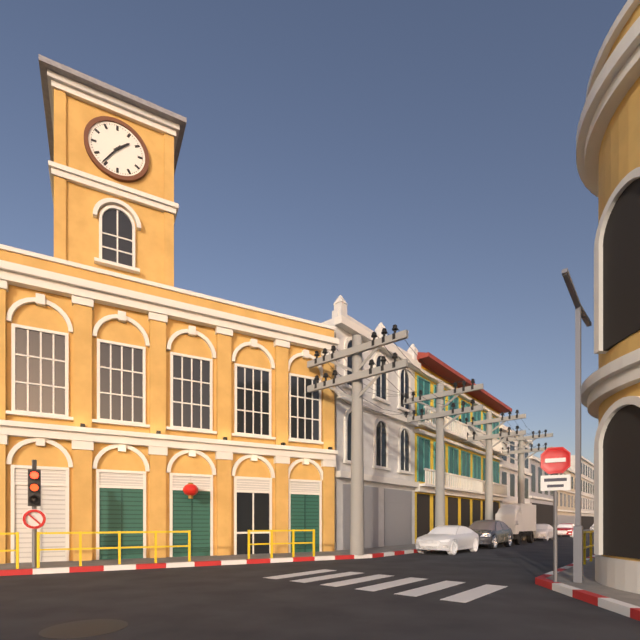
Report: 1.36
